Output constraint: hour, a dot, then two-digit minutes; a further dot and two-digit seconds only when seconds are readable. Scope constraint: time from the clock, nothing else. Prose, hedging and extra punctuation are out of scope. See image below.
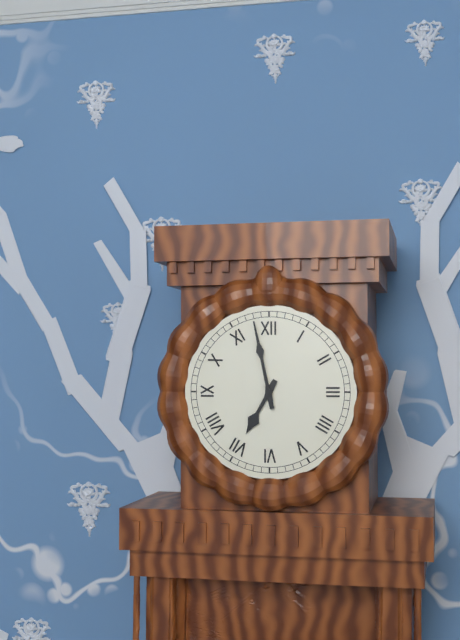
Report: 6.58
